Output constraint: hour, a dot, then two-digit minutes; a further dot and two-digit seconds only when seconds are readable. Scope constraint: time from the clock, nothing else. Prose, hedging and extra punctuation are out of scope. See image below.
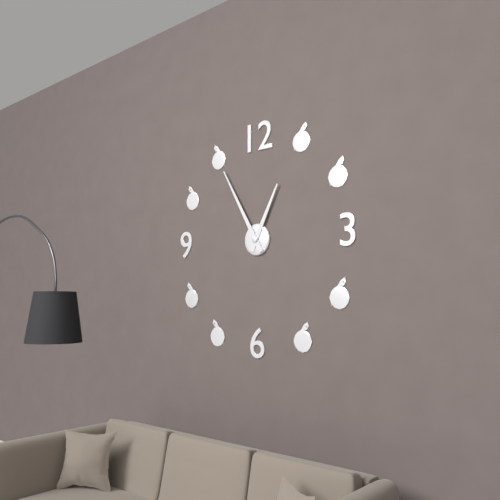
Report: 12.55
